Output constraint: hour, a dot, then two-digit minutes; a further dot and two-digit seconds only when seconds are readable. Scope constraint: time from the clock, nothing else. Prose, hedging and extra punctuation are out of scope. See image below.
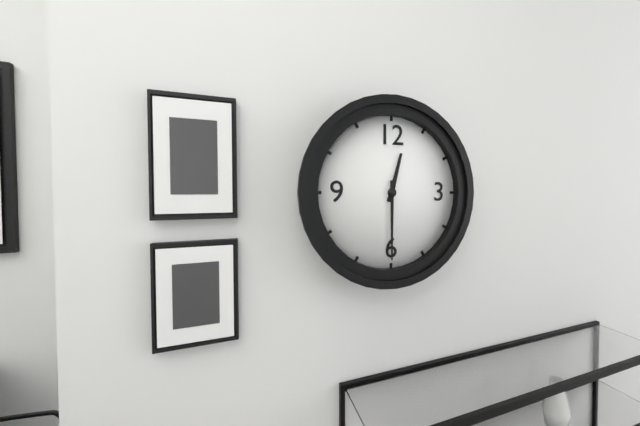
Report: 12.30
